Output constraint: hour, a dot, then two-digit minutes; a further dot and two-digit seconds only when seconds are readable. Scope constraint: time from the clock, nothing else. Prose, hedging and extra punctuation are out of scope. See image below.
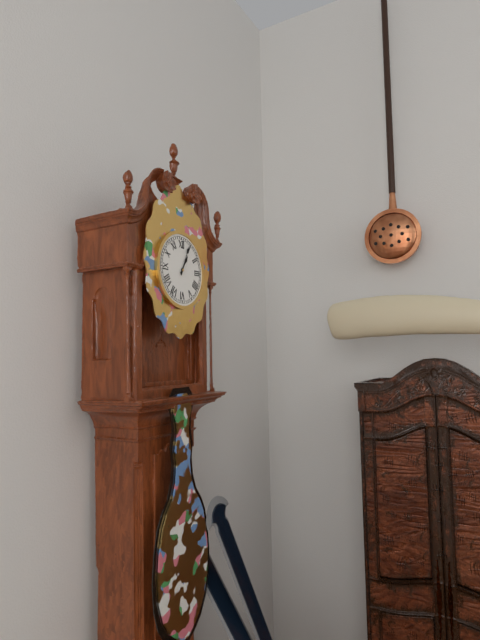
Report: 1.04
